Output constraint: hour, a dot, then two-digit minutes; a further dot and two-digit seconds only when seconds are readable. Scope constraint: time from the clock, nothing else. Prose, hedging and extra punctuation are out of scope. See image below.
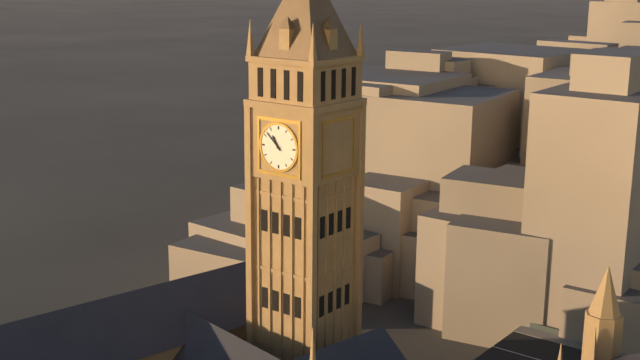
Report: 10.52
